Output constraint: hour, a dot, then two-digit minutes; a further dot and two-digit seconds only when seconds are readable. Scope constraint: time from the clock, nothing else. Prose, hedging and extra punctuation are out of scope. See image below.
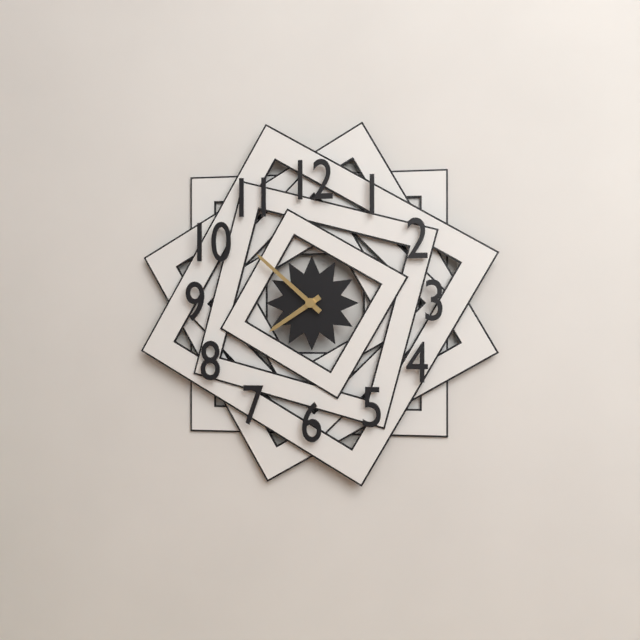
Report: 7.52
